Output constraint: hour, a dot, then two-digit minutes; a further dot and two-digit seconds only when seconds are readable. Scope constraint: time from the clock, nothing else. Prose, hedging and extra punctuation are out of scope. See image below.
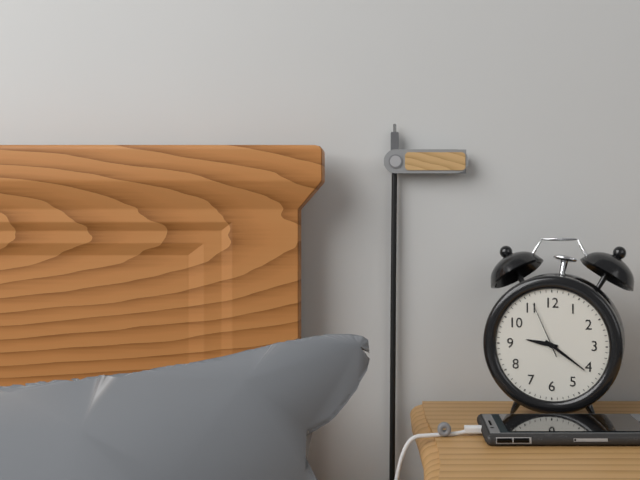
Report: 9.21.56
